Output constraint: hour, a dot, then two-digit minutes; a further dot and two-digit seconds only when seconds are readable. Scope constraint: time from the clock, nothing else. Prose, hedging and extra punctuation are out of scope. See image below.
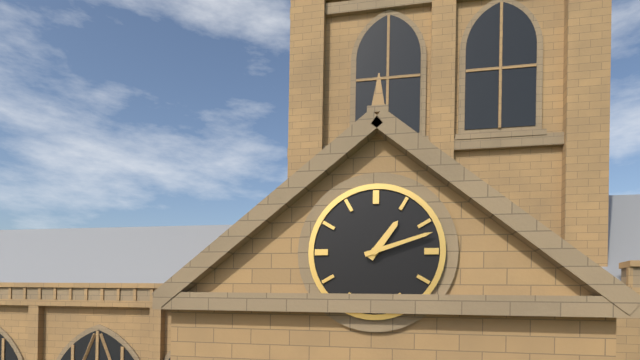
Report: 1.12
